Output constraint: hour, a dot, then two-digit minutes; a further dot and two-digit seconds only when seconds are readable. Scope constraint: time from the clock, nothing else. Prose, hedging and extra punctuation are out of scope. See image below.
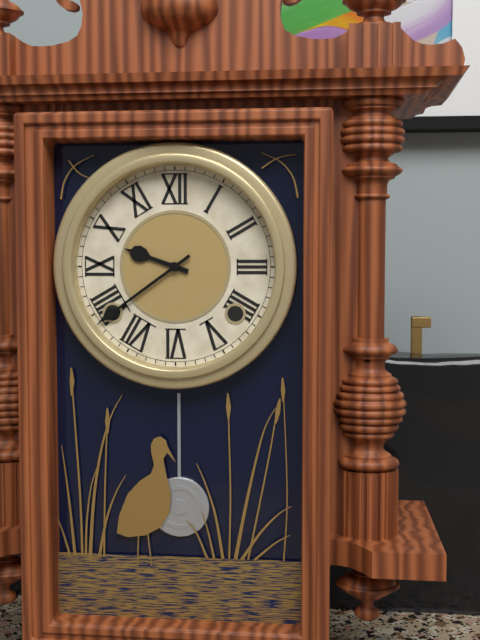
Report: 9.39
